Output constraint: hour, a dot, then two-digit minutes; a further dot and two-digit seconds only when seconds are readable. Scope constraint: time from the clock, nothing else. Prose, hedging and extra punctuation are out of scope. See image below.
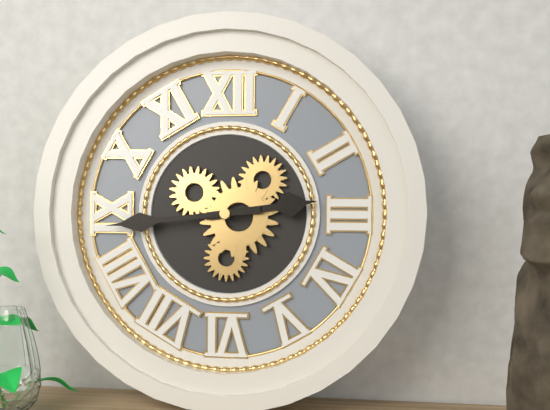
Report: 2.44
